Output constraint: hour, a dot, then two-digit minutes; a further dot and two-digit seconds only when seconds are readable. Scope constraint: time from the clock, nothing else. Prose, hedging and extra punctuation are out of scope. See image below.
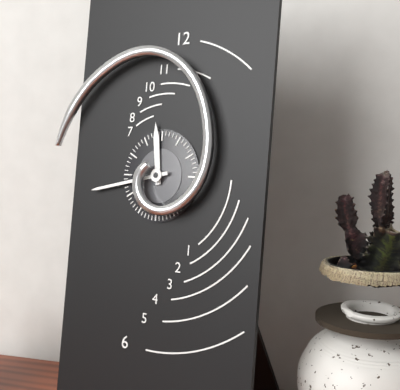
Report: 11.43
